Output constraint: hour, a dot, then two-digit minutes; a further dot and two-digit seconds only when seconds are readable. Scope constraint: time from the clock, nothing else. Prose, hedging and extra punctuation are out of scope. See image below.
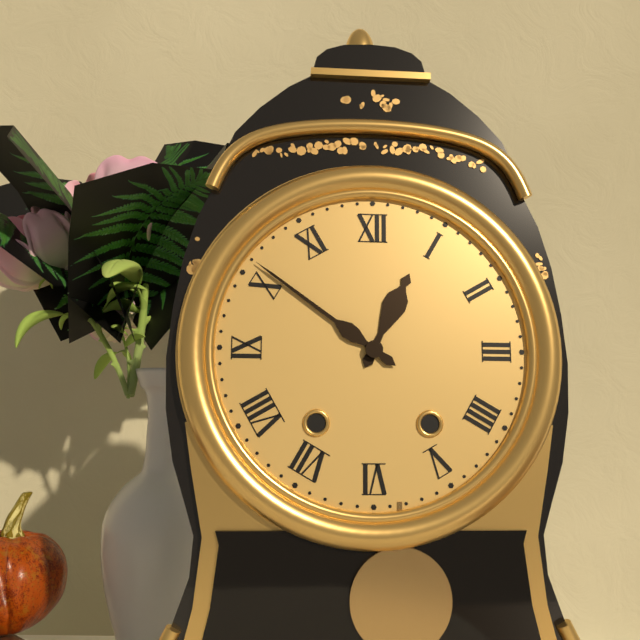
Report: 12.51
